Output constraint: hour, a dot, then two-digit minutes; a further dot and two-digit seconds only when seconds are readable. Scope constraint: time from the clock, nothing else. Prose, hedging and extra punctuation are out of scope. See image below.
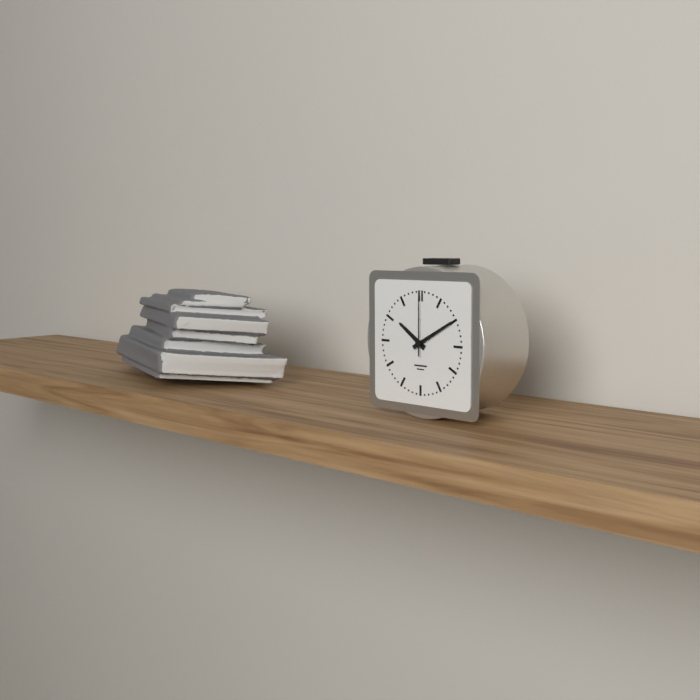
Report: 10.10.00
